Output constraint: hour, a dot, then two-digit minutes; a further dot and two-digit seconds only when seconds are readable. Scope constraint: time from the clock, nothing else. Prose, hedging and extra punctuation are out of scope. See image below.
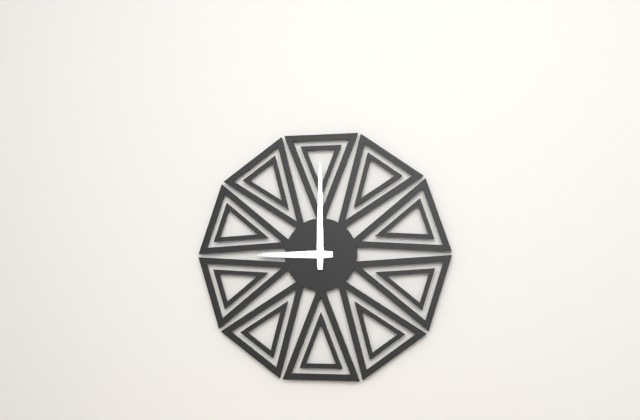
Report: 9.00
